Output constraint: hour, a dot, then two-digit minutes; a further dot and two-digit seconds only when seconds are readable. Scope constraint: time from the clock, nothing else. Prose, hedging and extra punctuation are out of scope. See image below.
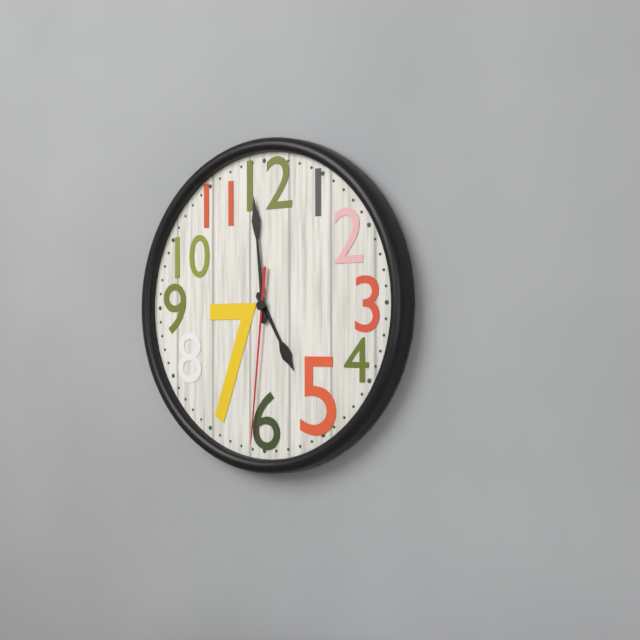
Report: 4.59.31
